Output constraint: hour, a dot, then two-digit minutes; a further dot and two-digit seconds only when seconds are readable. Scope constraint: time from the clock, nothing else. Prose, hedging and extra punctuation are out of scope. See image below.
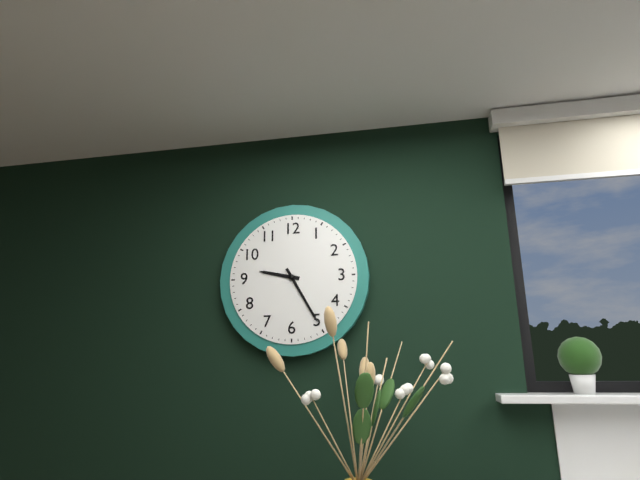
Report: 9.25
